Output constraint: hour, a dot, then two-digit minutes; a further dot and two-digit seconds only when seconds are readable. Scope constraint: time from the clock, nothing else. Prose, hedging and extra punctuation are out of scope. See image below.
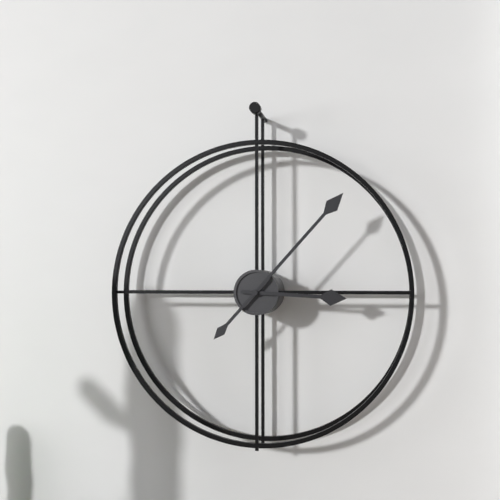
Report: 3.07
